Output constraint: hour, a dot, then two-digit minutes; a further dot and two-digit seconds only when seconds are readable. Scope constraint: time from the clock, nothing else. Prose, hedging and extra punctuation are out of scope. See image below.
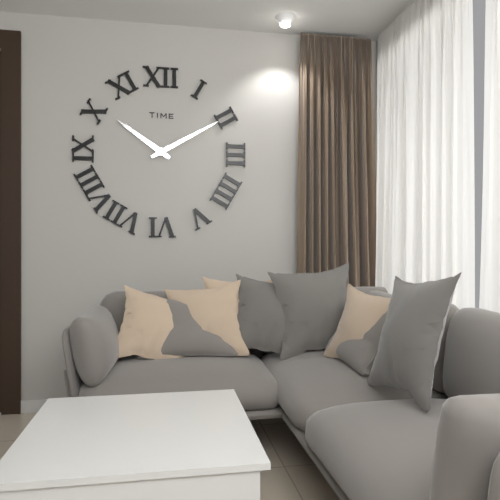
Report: 10.10
